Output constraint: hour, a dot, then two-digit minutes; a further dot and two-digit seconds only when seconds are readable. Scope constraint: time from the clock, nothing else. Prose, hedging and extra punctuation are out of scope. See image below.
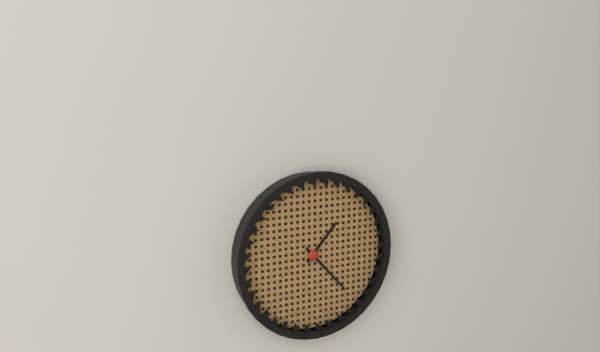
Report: 1.23
